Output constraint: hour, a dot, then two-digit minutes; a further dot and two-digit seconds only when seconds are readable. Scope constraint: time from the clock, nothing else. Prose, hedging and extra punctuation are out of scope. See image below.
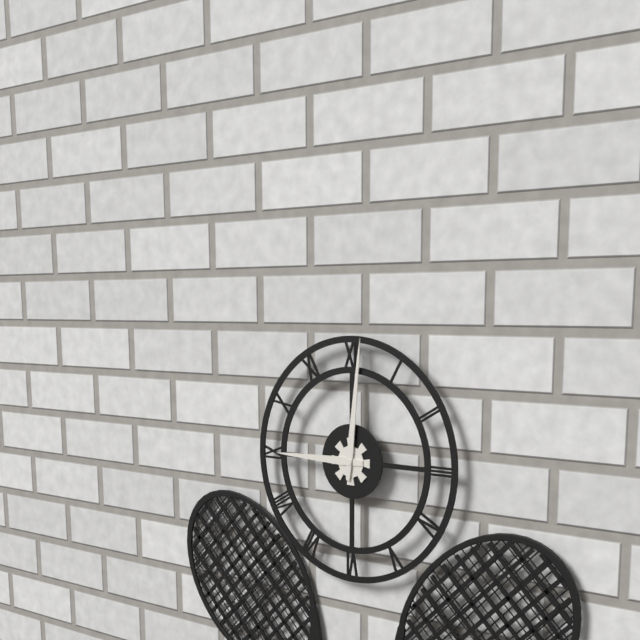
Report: 9.01
